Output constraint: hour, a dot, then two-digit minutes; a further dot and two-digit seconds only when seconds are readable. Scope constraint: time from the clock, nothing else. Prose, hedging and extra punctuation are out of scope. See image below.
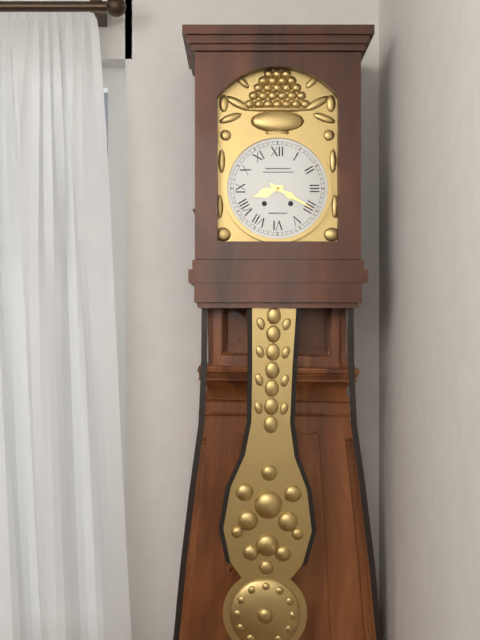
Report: 8.20
